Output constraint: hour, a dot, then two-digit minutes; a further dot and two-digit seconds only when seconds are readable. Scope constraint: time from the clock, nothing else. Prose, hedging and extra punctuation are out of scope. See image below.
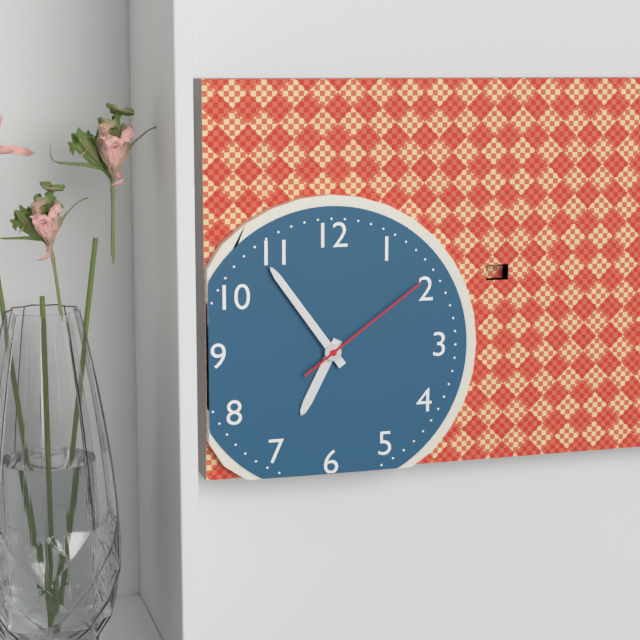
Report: 6.54.09
